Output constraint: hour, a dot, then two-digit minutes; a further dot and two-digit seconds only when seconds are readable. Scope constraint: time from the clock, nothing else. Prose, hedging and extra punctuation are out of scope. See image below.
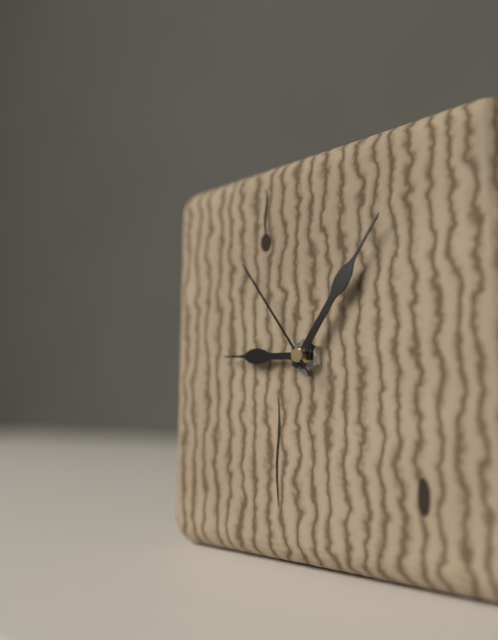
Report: 9.06.54
